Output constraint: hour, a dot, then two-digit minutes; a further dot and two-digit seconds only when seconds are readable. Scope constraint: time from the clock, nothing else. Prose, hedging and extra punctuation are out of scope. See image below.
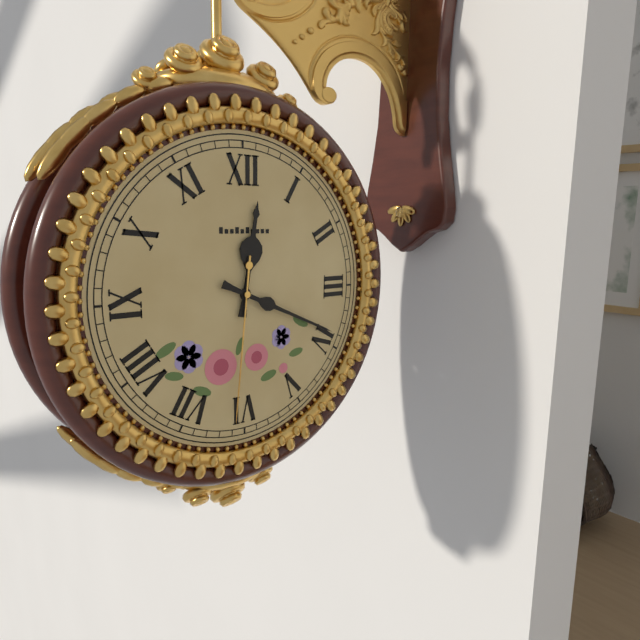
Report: 12.19.31
